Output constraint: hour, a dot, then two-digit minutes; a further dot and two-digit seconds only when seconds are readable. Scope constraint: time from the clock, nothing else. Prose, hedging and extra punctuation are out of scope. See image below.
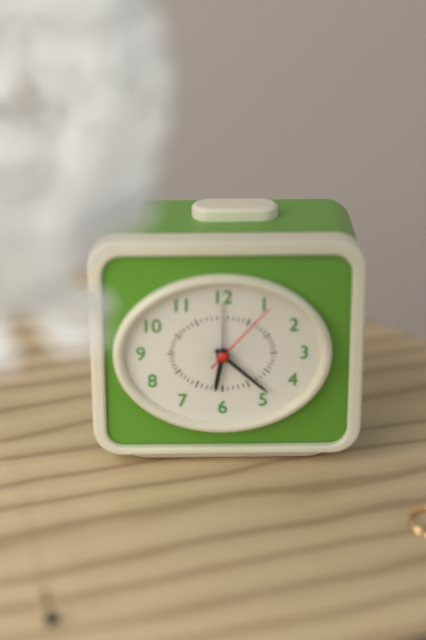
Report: 6.22.07
